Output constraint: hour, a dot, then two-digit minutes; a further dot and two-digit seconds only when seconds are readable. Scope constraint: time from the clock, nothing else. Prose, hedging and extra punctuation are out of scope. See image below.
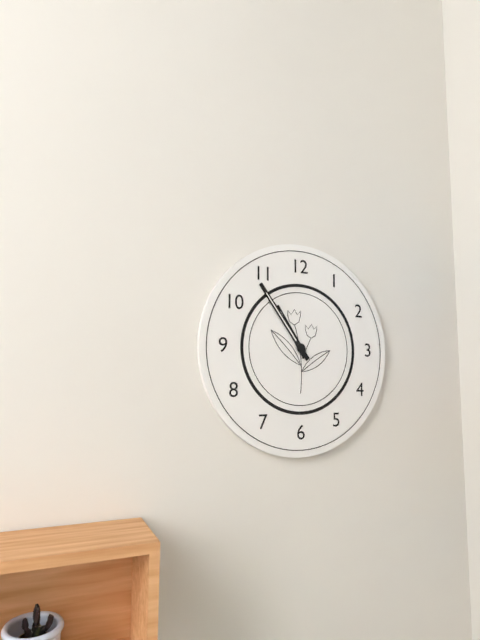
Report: 10.54
